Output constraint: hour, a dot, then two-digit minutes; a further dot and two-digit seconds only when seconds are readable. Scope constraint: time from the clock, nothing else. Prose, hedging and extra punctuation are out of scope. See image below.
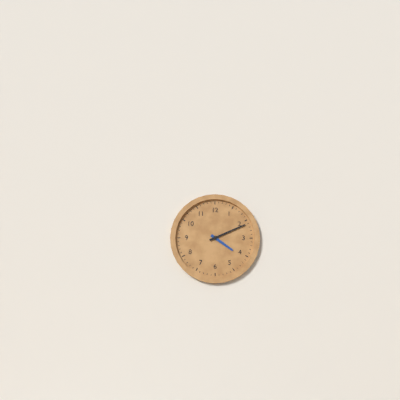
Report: 4.11
